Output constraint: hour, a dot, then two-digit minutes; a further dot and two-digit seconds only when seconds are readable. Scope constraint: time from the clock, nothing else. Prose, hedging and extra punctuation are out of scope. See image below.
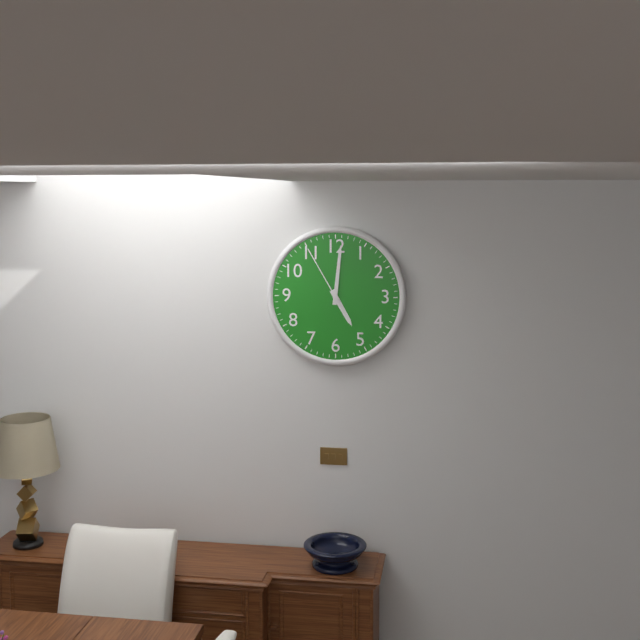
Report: 5.01.55
